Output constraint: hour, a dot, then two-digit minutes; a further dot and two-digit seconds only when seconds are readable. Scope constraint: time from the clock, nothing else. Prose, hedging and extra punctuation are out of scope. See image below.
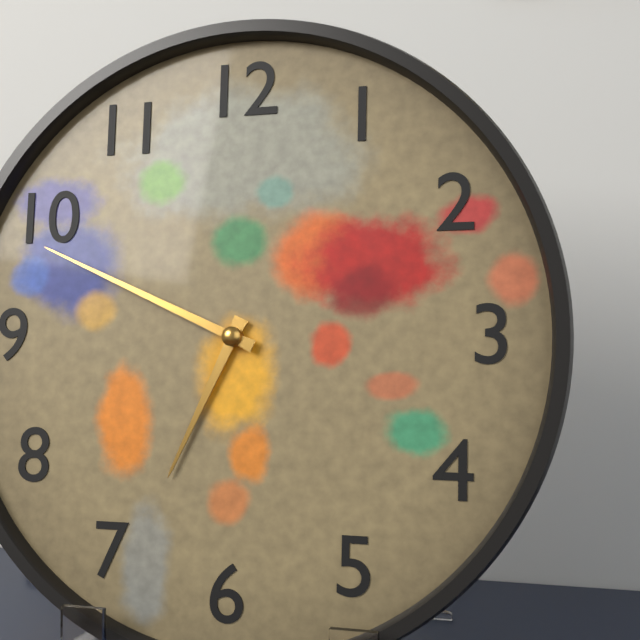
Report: 6.49
